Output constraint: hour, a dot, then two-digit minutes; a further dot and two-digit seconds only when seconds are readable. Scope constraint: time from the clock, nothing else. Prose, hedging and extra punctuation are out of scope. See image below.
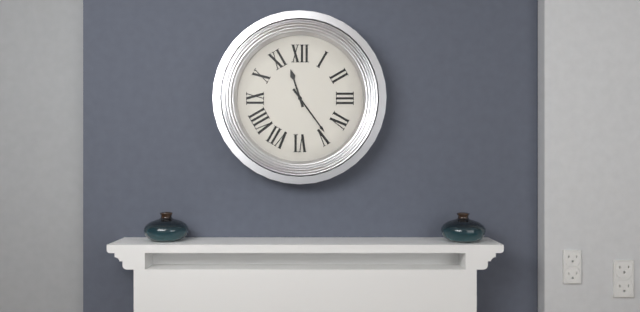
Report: 11.24
